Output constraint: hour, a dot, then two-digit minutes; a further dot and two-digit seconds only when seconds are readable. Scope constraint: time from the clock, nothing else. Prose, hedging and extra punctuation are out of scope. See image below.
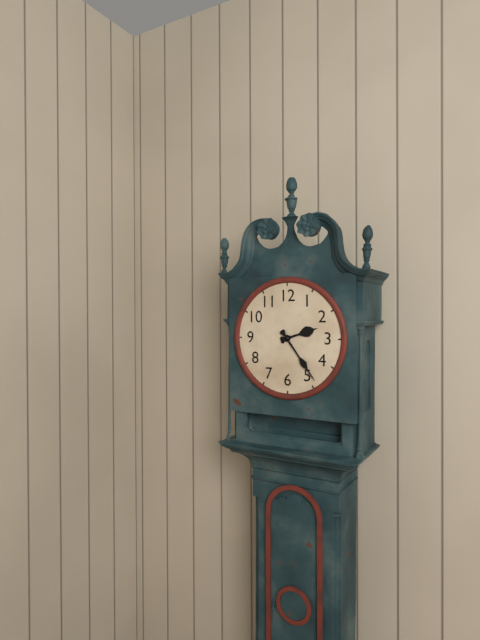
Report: 2.24
